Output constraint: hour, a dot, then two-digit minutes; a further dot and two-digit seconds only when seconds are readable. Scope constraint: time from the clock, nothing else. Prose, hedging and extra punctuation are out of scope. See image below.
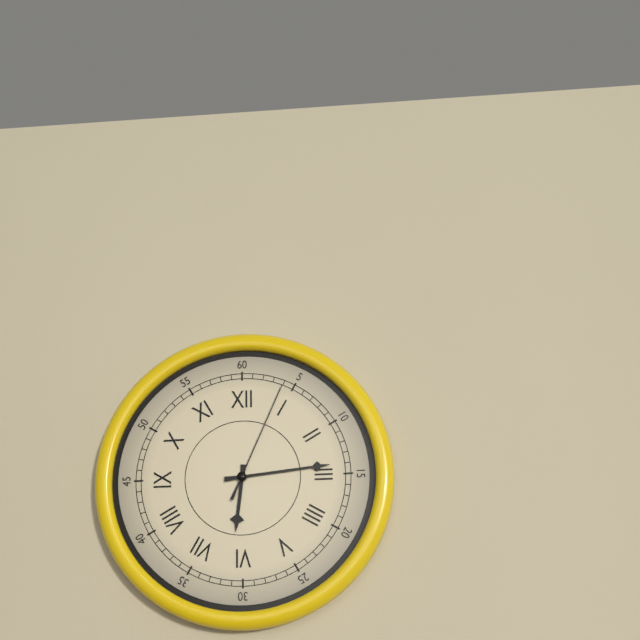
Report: 6.14.04
